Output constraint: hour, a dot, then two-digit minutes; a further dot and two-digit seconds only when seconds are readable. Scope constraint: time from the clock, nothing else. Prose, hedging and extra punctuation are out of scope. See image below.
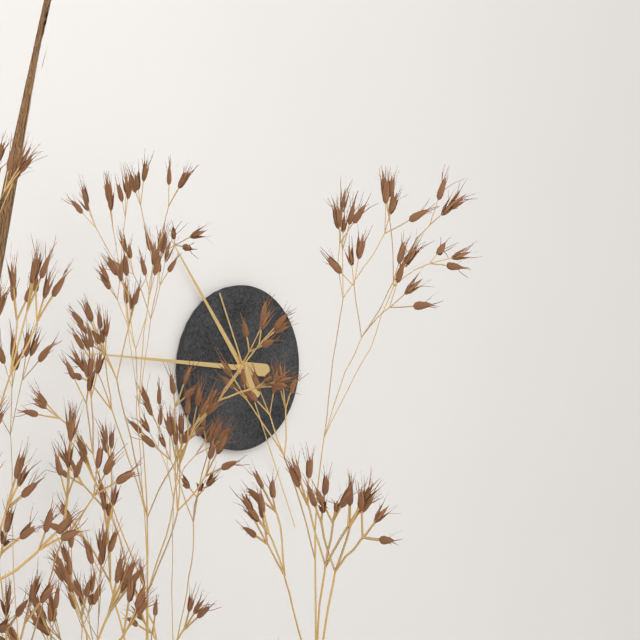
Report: 10.46.26
